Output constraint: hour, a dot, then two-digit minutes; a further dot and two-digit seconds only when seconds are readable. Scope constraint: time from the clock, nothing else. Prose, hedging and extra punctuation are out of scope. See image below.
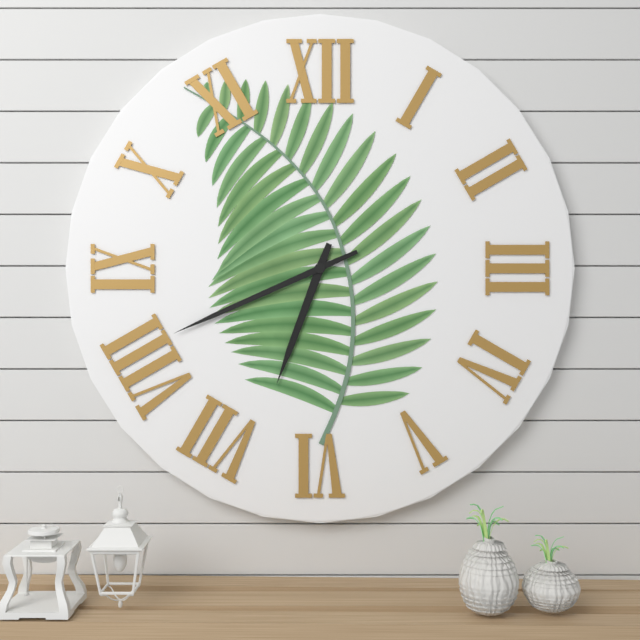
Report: 6.41
